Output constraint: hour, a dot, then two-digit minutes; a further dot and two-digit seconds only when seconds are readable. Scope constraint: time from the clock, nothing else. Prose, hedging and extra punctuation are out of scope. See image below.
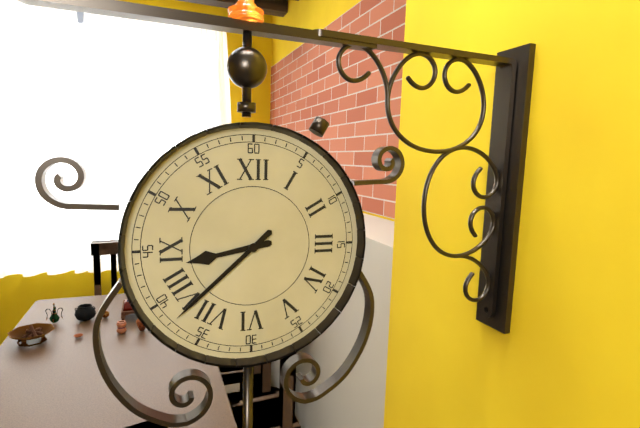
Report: 8.38
